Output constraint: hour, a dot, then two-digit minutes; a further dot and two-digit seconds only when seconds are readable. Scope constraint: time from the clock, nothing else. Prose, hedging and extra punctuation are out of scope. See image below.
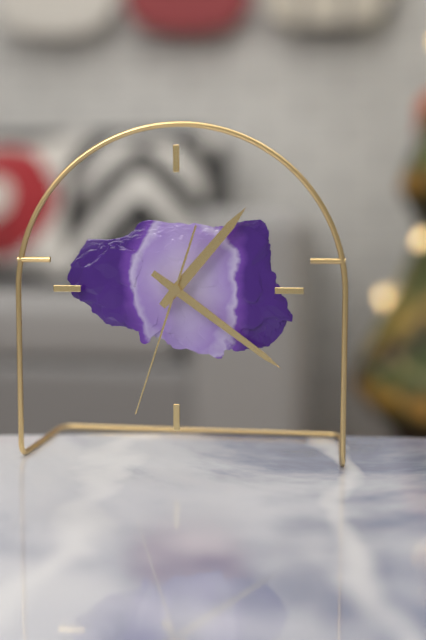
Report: 1.21.33
